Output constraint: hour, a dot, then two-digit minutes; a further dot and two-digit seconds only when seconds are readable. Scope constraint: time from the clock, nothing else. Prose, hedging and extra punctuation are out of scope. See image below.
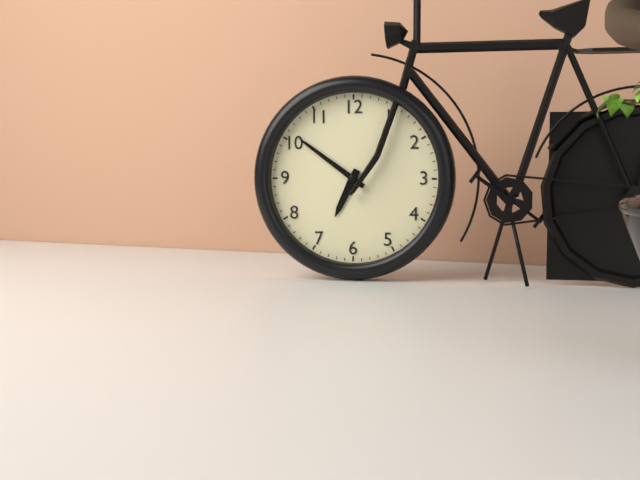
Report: 6.51
